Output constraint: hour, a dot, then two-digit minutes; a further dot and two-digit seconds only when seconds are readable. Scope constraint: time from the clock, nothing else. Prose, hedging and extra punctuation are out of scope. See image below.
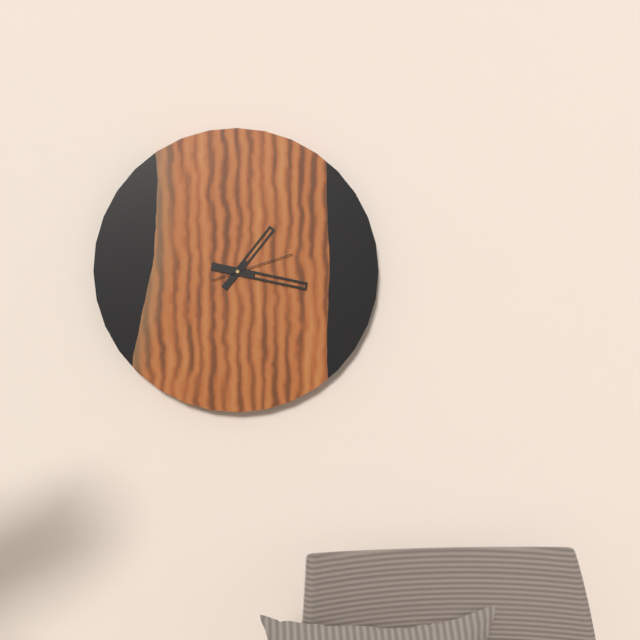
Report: 1.17.12
